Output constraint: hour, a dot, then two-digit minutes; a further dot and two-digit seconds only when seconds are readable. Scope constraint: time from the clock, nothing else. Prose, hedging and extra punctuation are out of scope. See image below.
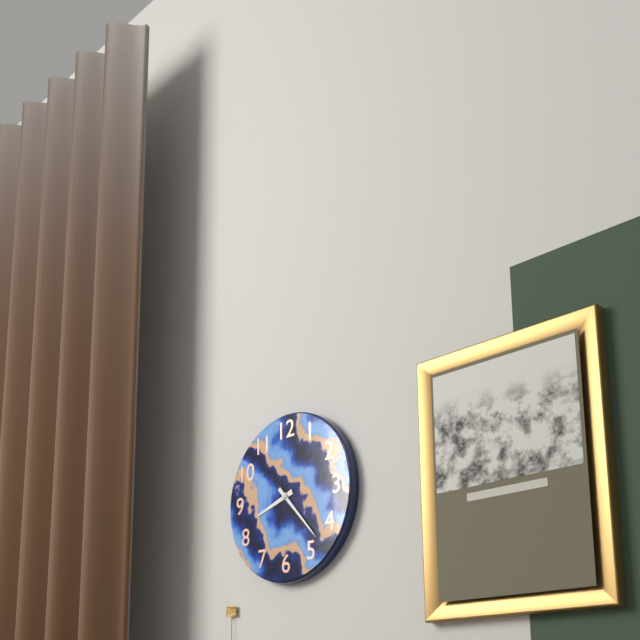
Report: 8.23
